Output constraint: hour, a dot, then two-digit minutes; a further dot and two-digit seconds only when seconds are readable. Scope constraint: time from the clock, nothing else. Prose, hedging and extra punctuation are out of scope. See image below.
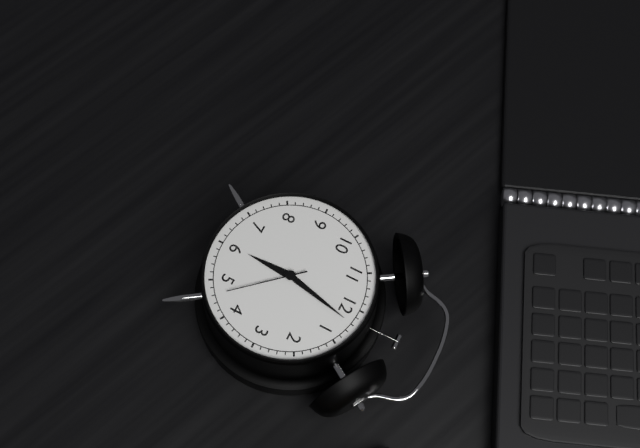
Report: 6.02.23
